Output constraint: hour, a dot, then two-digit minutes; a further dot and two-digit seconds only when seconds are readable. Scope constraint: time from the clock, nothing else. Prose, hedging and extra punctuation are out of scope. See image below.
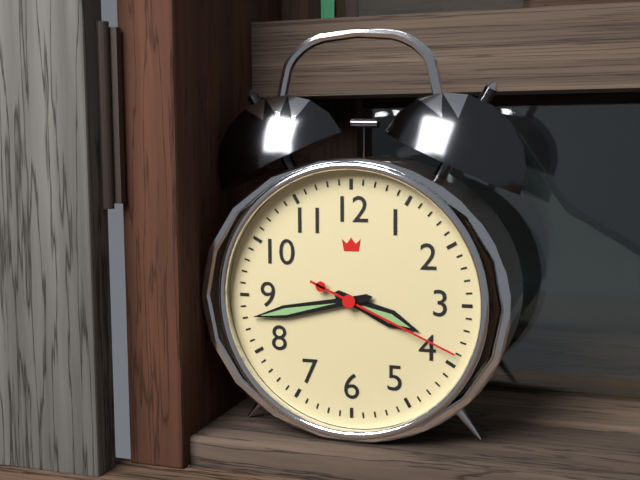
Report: 3.43.19
